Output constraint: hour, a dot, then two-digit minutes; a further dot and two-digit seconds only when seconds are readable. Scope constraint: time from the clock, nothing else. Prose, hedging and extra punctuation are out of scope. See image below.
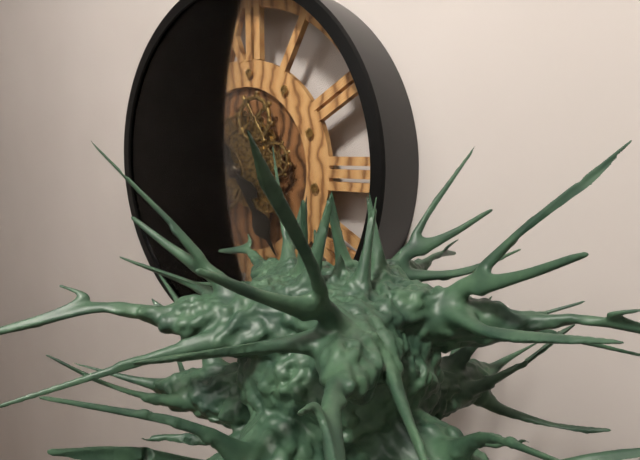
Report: 4.51
